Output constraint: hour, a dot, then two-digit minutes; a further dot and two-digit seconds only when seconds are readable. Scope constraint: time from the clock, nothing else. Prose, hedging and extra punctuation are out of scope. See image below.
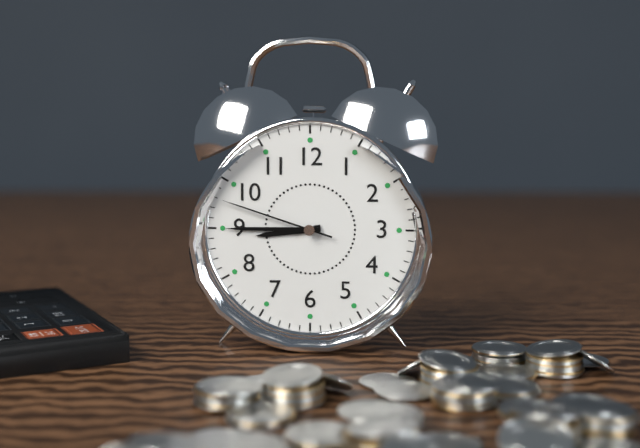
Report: 8.45.48
